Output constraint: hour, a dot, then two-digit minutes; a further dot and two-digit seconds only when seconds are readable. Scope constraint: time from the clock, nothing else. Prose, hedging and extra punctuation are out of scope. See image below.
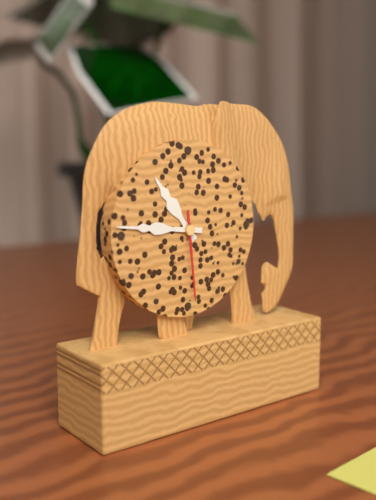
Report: 10.46.29
